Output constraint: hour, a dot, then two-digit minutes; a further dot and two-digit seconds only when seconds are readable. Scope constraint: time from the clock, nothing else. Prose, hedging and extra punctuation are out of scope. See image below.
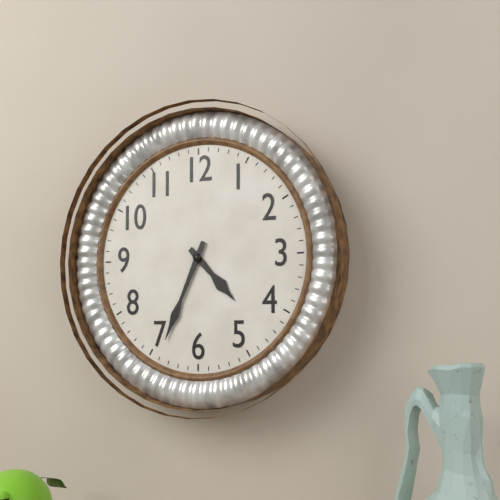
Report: 4.34
